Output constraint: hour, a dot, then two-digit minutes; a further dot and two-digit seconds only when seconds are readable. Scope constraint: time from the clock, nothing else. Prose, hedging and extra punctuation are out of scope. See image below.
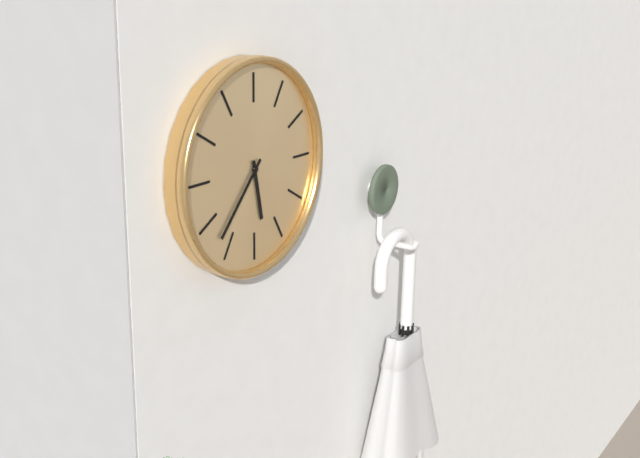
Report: 5.37
